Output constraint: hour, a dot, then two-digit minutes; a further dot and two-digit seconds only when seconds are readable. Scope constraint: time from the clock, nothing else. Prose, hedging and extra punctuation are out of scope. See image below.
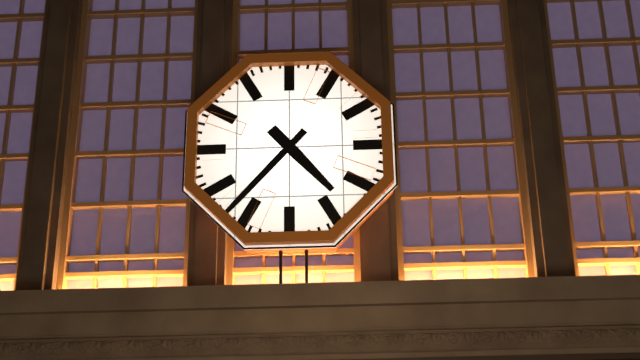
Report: 4.37
